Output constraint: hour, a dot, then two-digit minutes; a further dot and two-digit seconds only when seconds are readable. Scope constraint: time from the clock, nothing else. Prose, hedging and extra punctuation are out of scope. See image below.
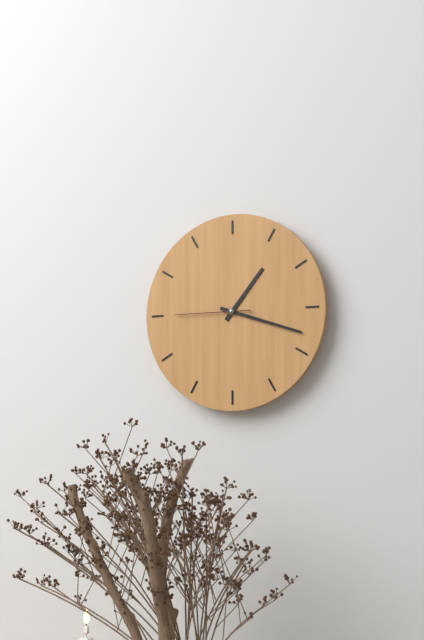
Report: 1.18.45
